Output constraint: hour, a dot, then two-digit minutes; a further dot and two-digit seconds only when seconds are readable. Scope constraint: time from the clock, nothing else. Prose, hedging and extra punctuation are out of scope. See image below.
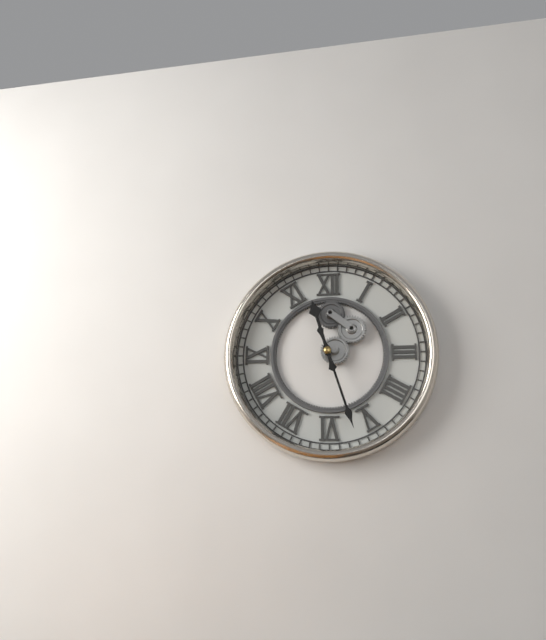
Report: 11.27
